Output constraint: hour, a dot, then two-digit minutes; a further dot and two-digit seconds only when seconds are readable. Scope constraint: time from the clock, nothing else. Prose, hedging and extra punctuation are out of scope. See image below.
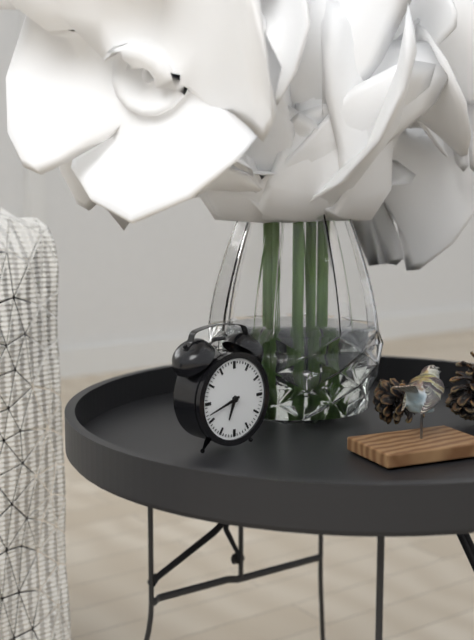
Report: 6.42
